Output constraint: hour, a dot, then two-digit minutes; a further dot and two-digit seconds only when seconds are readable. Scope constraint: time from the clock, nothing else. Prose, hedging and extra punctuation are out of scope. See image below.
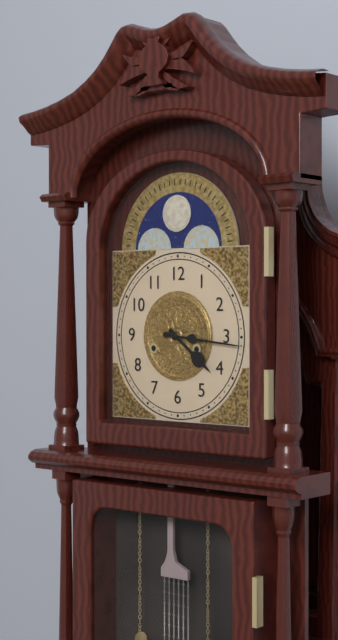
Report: 4.16
